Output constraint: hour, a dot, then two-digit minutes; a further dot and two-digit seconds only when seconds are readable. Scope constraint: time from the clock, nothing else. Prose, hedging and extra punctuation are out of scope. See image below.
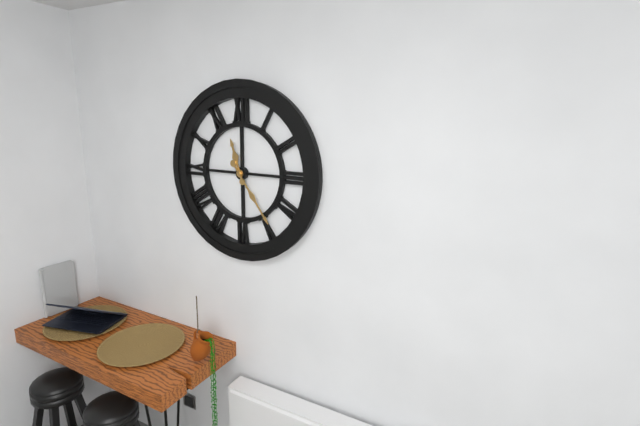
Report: 11.24
